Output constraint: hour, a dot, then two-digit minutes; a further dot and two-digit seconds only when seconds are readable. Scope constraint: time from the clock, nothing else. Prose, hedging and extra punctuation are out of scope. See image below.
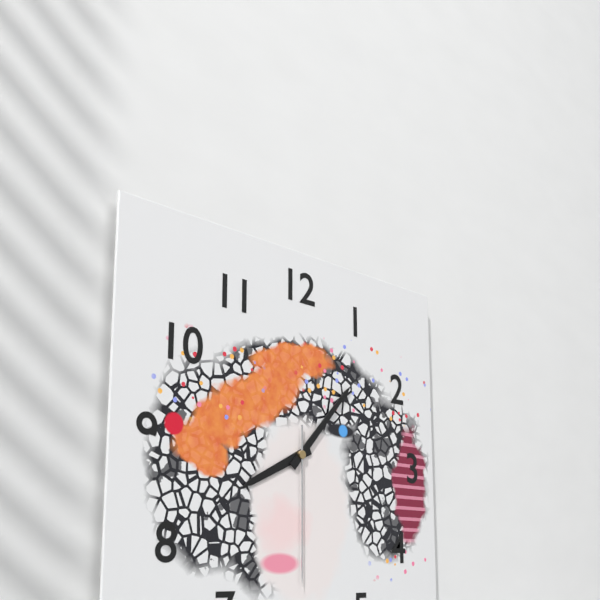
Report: 8.07.30
